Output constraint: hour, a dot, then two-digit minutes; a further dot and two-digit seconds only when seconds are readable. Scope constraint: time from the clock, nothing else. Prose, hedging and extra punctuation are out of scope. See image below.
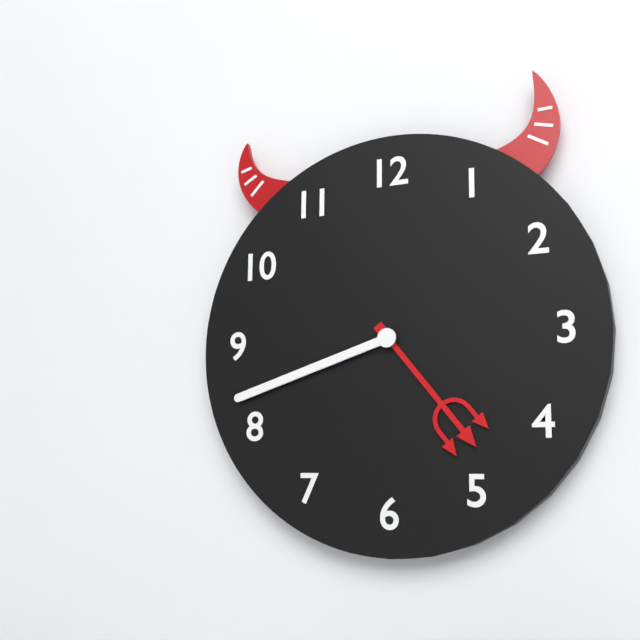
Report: 4.42
